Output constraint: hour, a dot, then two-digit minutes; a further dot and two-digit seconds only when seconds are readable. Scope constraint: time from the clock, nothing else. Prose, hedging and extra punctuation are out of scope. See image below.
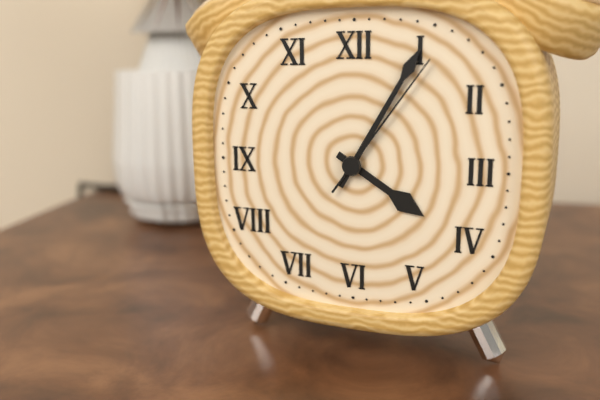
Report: 4.05.06
